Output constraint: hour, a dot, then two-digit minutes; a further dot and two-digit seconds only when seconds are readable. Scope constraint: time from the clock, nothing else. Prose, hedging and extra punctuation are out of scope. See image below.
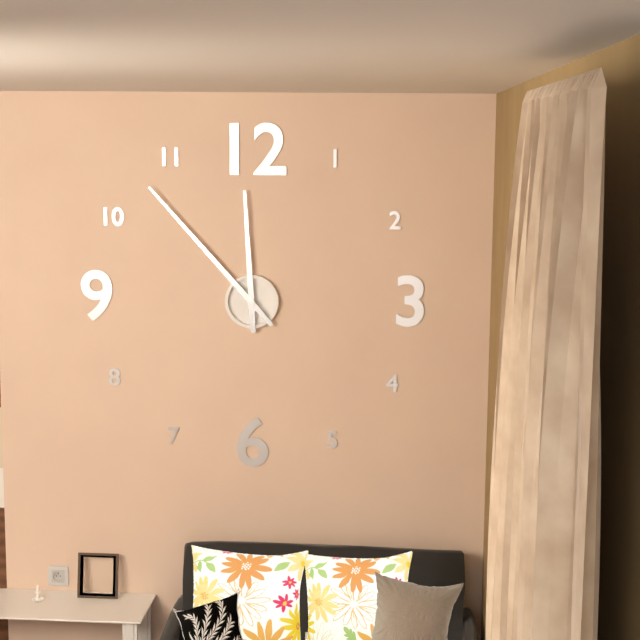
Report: 11.53
